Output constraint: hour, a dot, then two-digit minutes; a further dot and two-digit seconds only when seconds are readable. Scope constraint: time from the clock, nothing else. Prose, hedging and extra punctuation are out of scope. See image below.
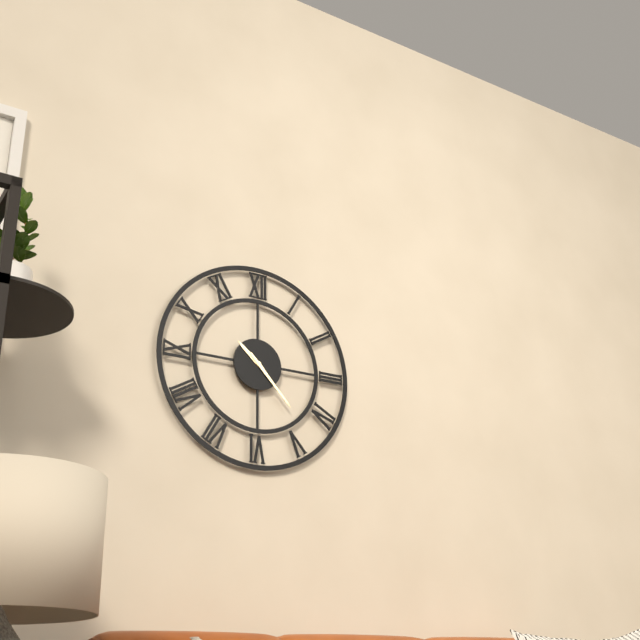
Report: 10.23
